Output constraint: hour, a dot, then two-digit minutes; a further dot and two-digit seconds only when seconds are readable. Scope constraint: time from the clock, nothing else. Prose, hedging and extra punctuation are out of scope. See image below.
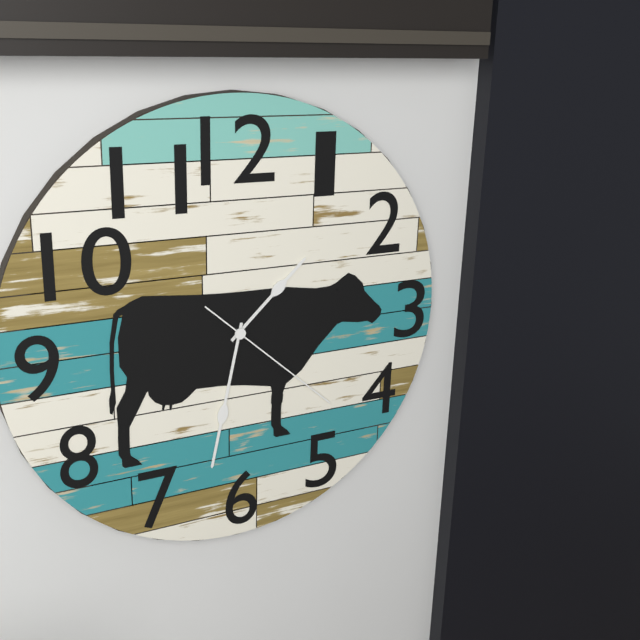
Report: 1.32.22
